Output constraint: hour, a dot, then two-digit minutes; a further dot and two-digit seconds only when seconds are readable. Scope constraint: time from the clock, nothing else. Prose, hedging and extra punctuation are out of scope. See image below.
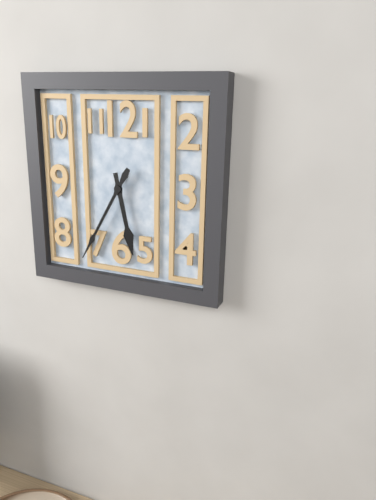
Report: 5.35
